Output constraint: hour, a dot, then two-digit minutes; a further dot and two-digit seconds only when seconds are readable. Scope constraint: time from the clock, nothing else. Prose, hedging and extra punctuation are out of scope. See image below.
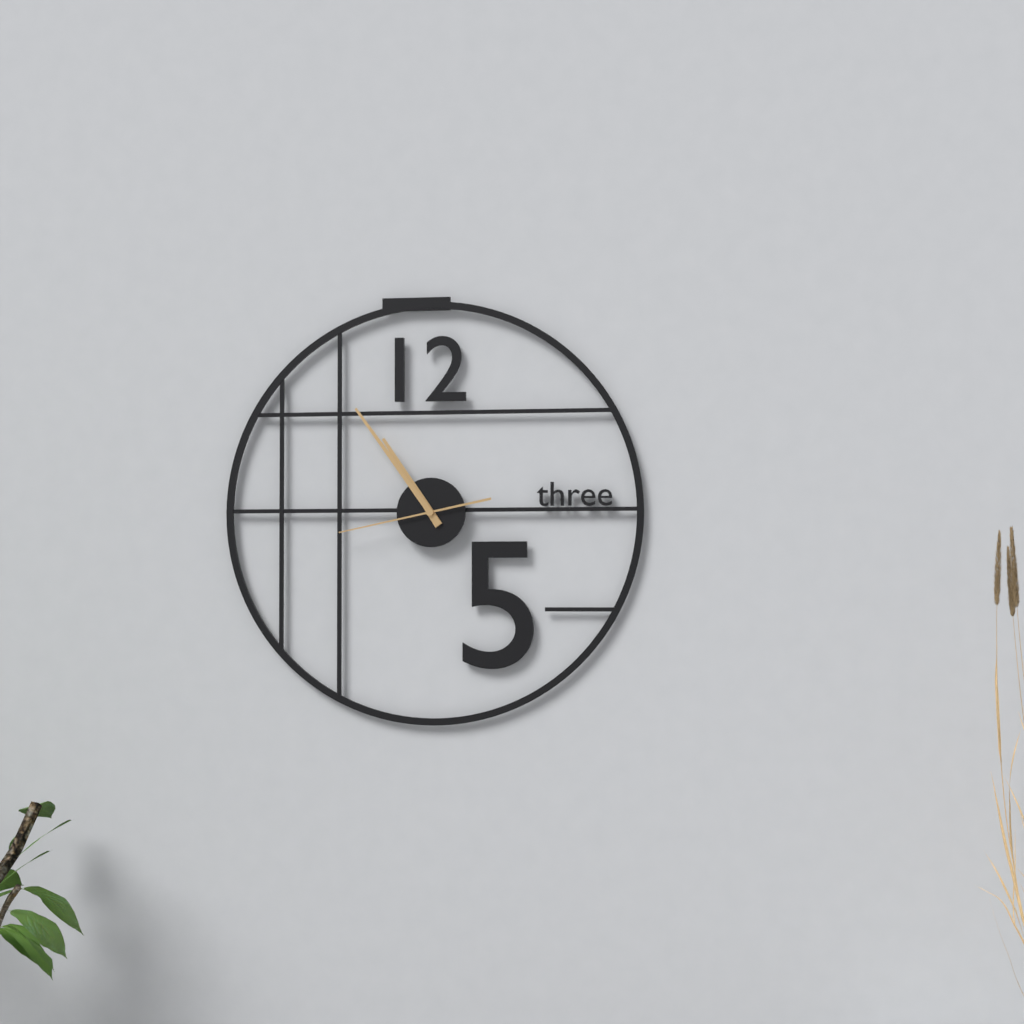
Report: 10.54.43
